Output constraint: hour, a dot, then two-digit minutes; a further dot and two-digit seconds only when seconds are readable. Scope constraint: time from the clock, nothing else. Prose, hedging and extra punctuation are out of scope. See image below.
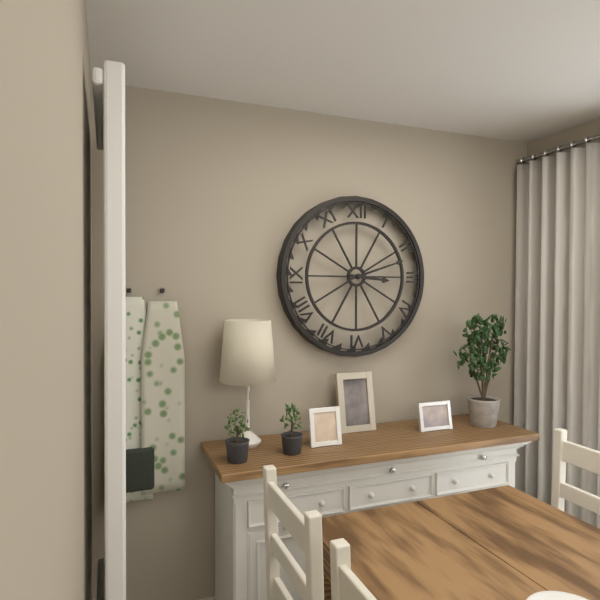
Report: 3.12
